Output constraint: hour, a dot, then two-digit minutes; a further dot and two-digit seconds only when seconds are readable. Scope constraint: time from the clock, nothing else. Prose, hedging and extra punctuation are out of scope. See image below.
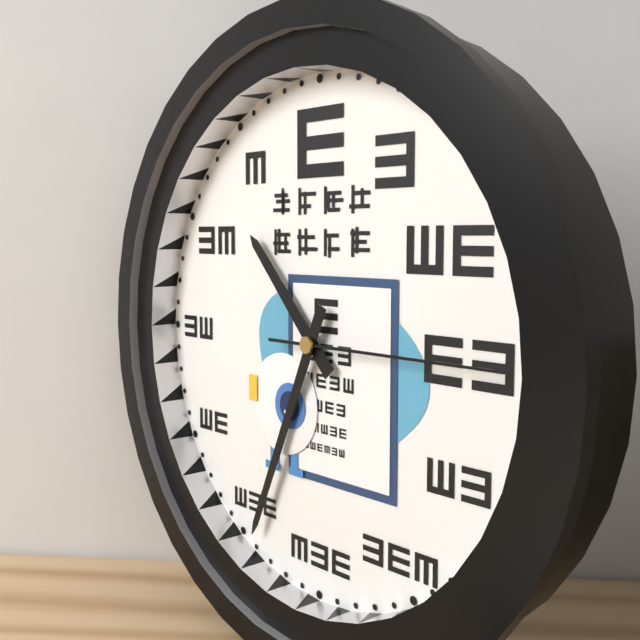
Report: 10.34.15
